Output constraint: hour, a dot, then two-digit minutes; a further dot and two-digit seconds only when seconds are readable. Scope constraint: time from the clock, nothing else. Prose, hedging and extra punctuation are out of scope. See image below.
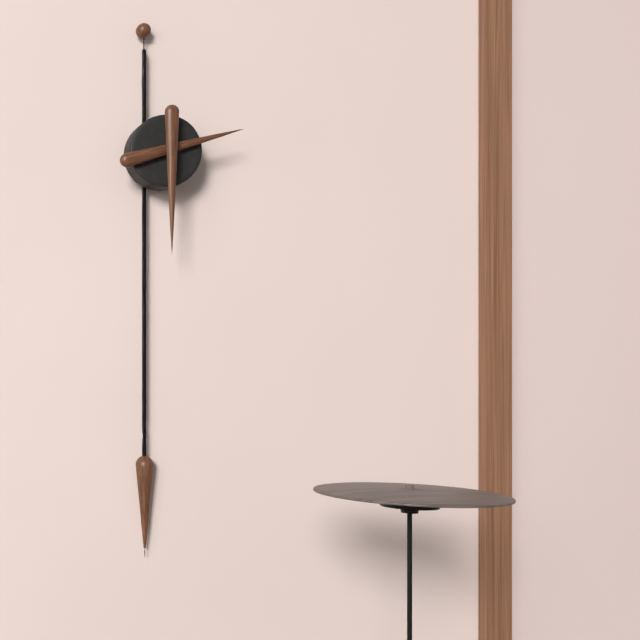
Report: 2.30
